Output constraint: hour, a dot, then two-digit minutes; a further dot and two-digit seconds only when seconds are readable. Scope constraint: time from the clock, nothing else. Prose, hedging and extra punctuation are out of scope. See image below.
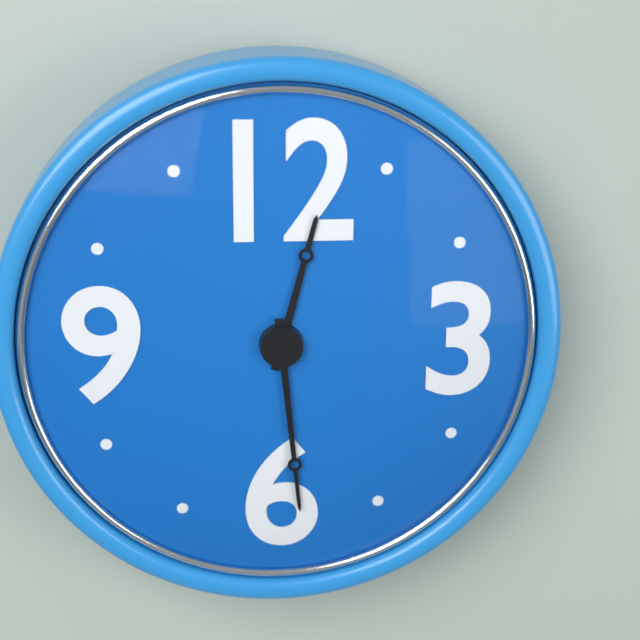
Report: 12.29
